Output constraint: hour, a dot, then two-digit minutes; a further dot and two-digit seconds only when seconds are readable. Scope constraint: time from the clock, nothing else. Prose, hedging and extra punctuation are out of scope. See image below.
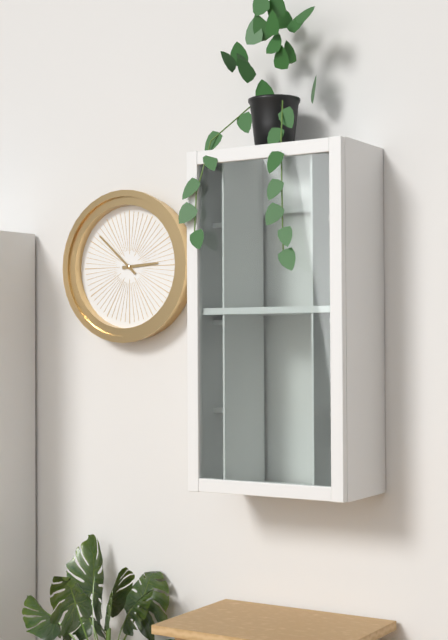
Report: 2.52
